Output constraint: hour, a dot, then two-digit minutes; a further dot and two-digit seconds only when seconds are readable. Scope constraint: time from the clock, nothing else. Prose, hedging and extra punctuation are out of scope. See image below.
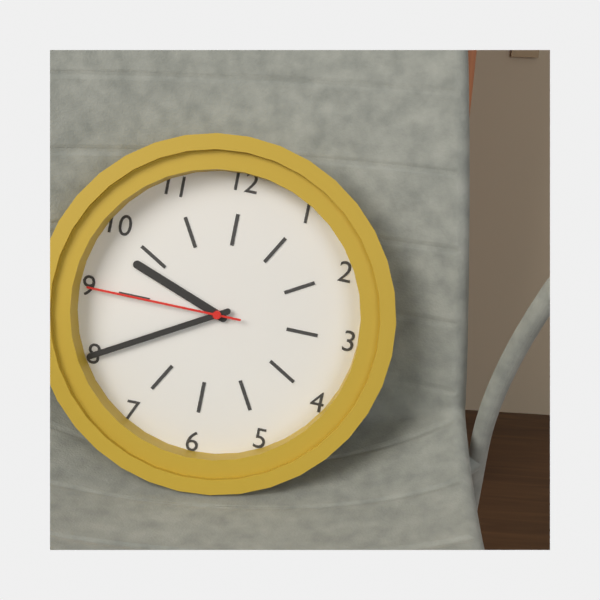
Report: 9.40.45
